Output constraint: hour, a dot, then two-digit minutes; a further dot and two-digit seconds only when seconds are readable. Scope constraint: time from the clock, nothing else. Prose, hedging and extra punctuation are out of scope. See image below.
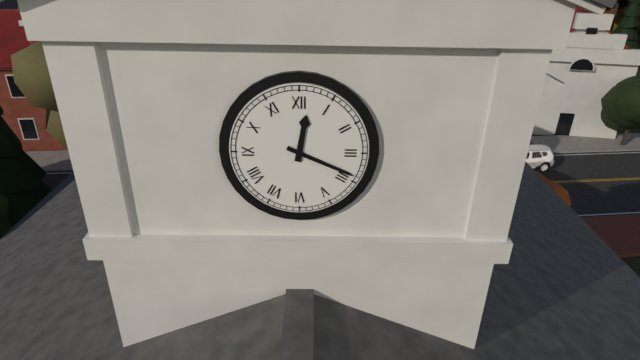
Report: 12.19
